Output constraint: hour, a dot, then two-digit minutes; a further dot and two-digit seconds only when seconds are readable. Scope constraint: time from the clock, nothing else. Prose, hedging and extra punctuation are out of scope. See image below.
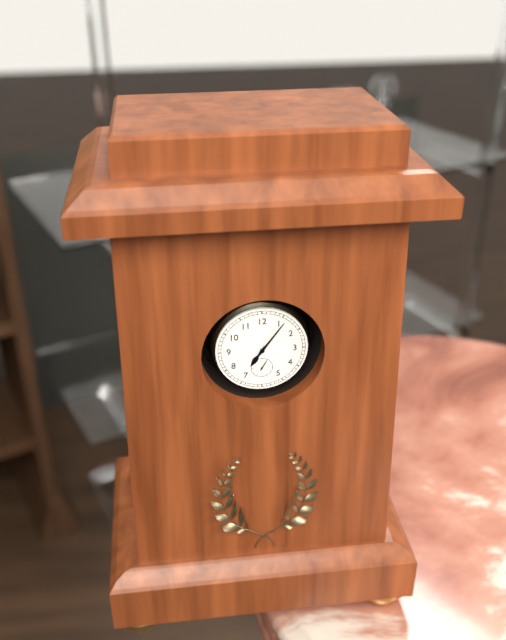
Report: 7.06
